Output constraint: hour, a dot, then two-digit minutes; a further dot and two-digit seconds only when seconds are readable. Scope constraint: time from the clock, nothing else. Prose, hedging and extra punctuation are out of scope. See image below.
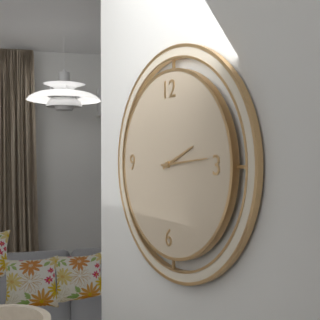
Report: 2.14
